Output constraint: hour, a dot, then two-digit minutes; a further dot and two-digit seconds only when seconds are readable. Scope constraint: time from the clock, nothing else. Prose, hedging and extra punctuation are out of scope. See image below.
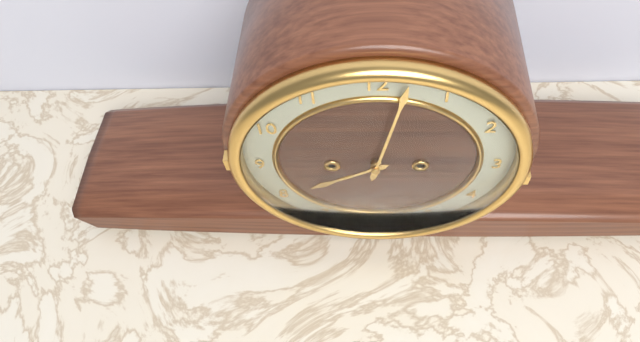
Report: 8.02
